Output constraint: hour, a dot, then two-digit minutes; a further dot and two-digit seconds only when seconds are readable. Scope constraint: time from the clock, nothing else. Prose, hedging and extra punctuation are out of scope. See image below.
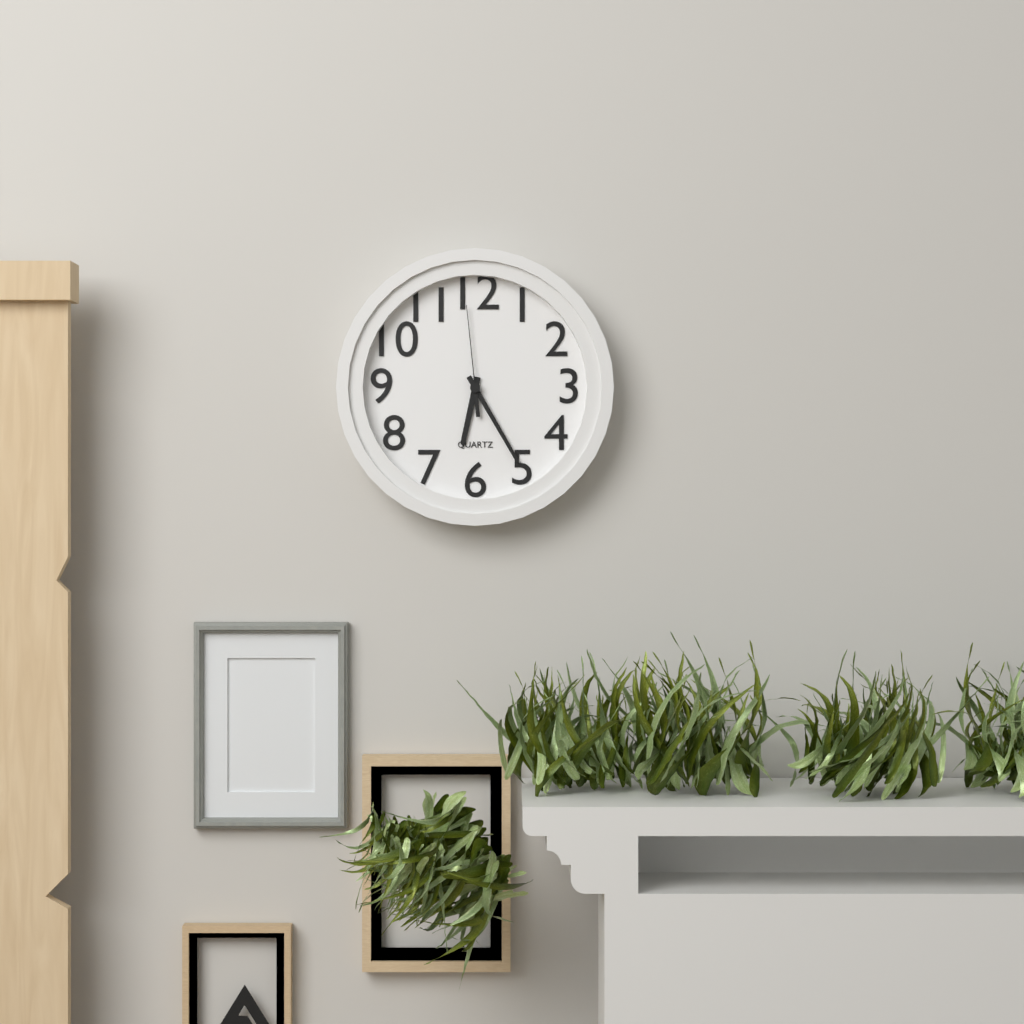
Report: 6.25.59
